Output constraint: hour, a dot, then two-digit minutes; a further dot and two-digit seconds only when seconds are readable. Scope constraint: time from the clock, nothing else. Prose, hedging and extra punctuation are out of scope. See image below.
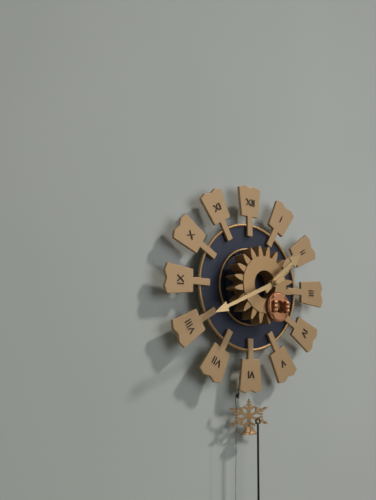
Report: 1.41
